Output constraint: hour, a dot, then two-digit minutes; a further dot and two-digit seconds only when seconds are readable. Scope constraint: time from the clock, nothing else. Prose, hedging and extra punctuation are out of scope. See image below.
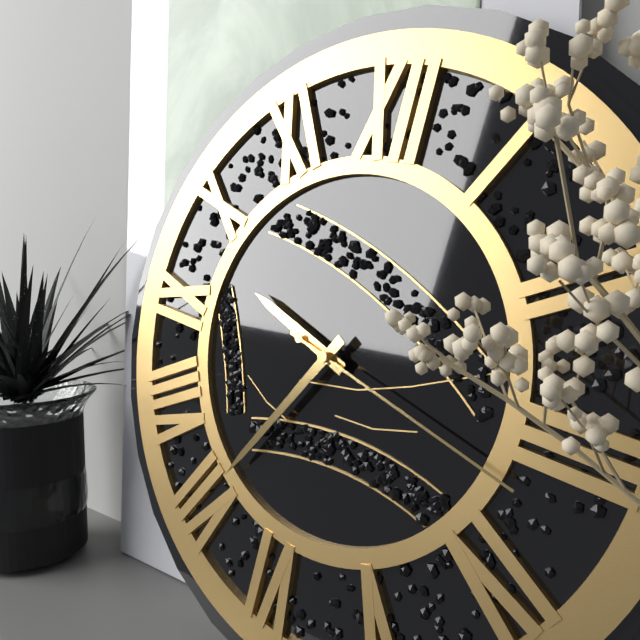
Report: 9.35.17
